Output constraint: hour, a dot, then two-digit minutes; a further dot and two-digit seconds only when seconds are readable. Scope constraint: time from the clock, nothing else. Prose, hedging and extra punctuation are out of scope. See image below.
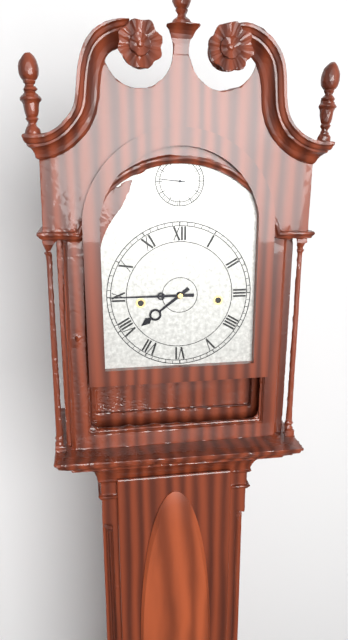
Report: 7.45
